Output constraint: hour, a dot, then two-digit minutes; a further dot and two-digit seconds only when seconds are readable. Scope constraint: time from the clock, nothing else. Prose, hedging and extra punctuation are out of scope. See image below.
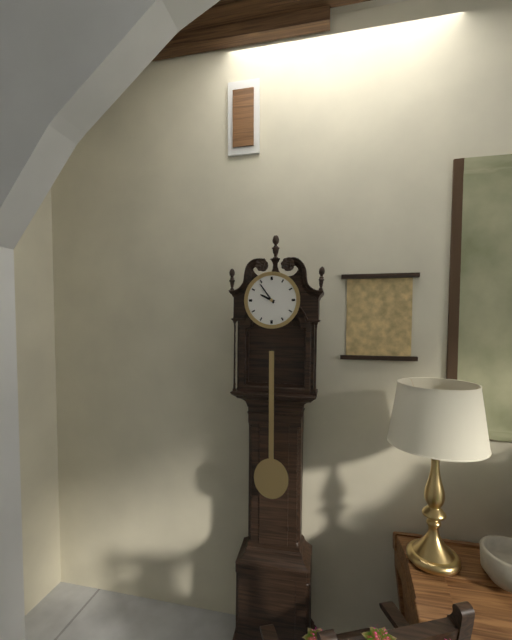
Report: 9.54
